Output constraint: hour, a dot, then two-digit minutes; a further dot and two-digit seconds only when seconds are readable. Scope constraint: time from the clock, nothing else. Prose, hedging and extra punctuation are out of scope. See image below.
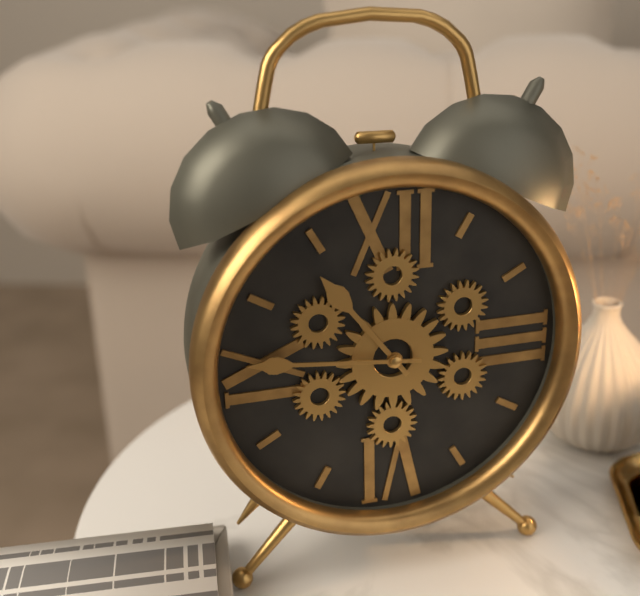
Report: 10.46
